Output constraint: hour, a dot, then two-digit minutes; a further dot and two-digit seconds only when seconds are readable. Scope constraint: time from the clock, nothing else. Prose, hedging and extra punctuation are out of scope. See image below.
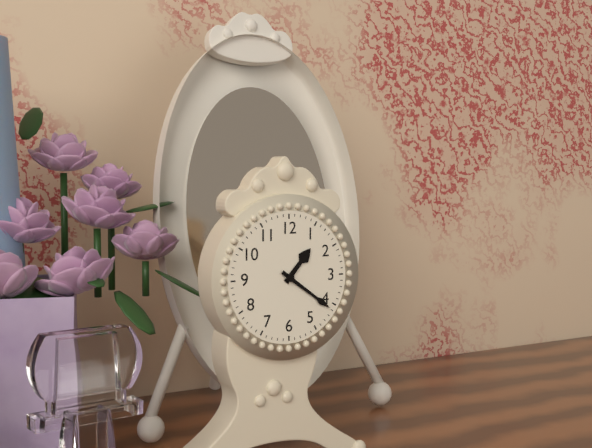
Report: 1.21
